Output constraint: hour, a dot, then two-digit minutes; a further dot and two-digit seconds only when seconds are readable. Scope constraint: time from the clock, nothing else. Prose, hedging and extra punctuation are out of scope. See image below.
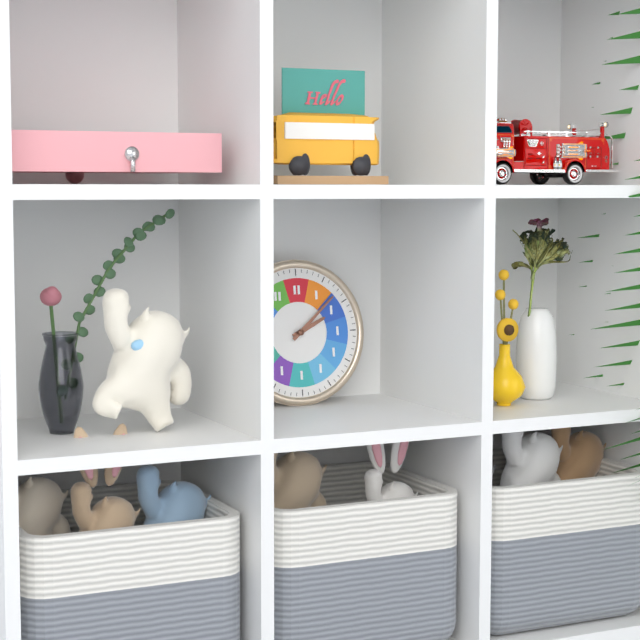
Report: 2.08
